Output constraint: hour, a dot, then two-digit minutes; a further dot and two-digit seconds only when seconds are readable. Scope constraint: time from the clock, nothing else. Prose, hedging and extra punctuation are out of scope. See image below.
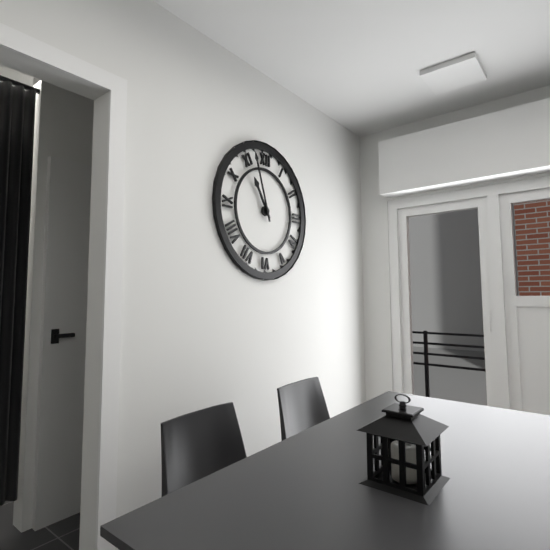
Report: 10.57
